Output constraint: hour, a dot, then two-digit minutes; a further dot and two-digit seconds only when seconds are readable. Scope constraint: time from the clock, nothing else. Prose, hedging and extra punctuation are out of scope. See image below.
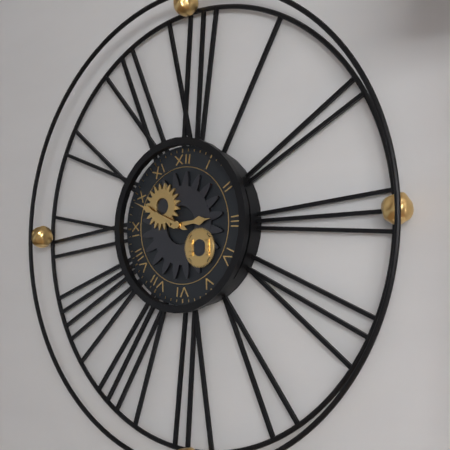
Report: 2.49
